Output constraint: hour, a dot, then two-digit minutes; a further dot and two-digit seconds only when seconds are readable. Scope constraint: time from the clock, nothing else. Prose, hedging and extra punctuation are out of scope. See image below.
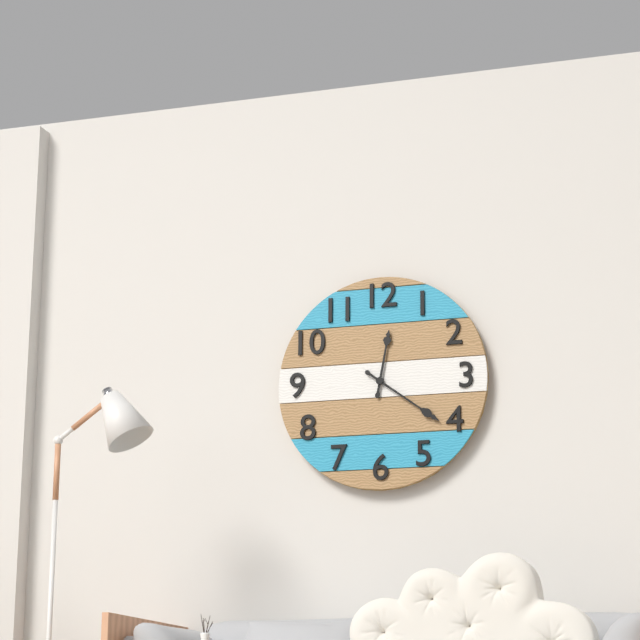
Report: 12.21
